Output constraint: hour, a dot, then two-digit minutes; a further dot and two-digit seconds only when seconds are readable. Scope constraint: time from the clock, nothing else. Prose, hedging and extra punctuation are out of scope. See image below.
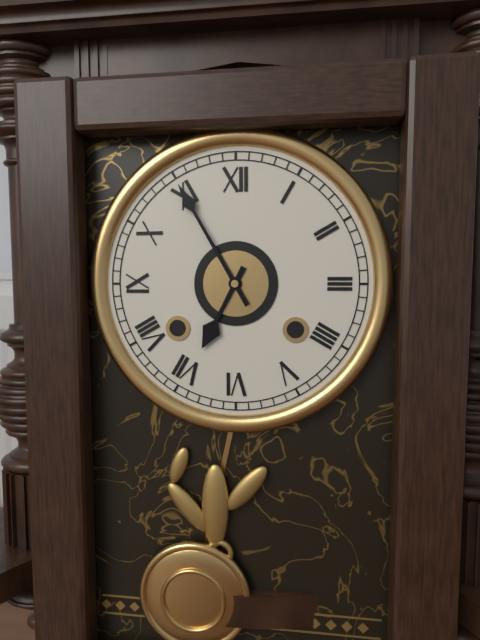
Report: 6.55
